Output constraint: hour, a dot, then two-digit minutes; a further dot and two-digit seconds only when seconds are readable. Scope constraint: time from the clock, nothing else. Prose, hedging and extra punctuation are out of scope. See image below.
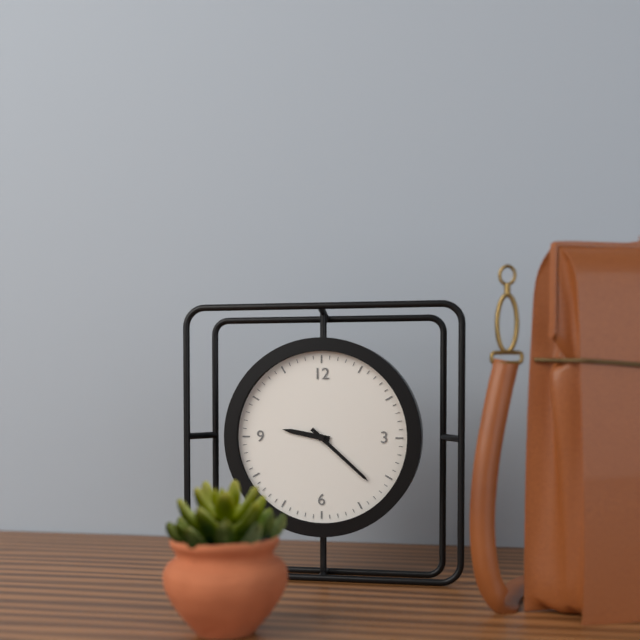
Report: 9.22
